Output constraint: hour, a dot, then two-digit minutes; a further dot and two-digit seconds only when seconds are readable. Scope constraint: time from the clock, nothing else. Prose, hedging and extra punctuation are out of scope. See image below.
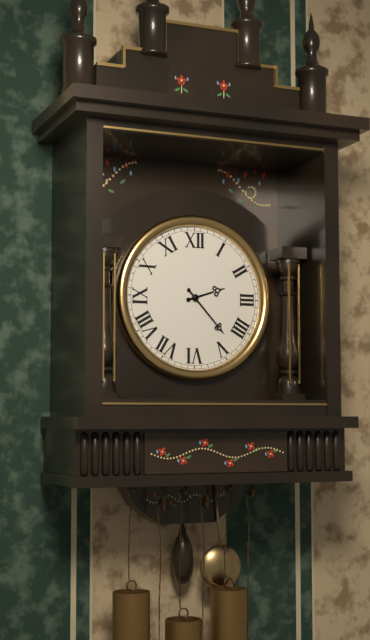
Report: 2.23
